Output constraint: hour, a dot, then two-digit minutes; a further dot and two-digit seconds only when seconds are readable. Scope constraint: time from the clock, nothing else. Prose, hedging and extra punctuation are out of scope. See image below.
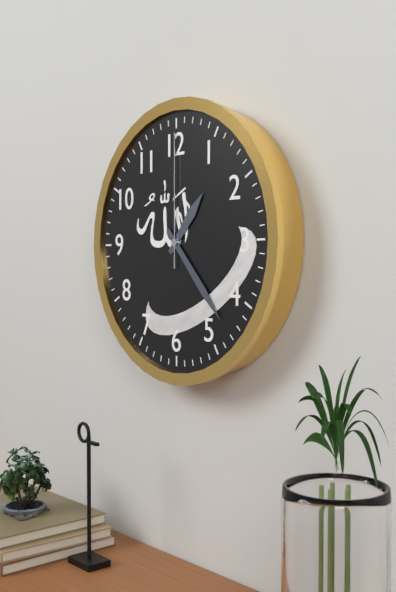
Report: 1.23.00
